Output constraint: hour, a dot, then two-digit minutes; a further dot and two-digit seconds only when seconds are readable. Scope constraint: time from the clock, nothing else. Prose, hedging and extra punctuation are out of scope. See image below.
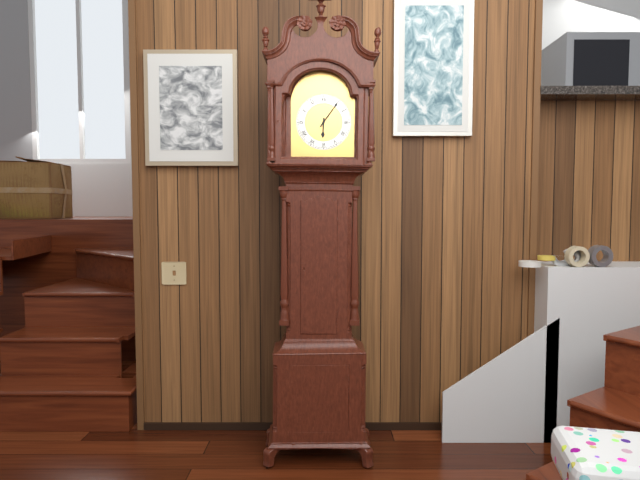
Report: 6.06
